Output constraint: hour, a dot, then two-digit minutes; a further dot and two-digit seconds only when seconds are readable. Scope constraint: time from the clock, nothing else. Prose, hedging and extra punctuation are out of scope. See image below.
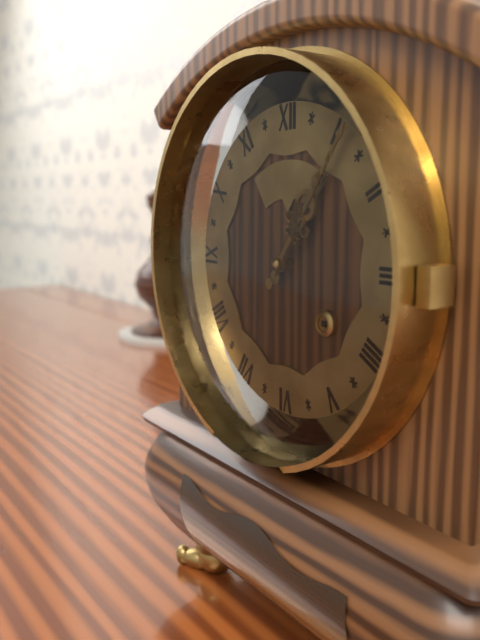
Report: 1.06
